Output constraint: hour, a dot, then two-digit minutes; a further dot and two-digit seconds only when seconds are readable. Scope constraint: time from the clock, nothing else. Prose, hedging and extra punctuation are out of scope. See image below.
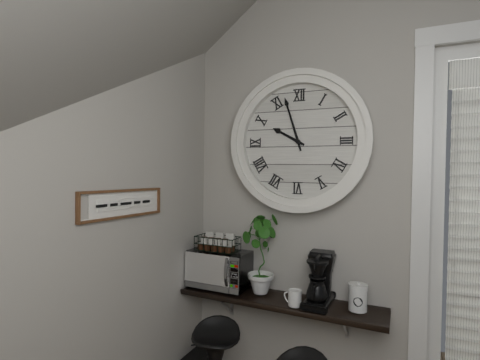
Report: 9.57
